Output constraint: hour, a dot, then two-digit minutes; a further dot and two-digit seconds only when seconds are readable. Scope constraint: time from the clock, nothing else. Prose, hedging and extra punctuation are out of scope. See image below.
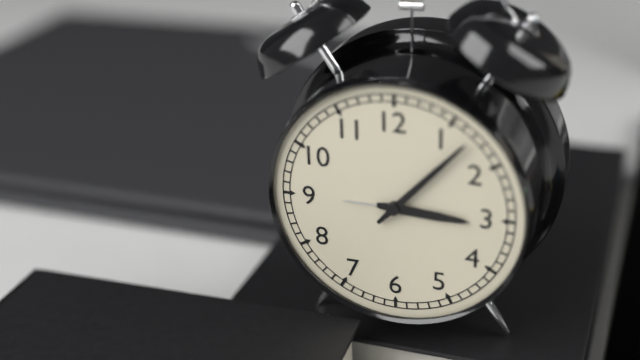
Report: 3.07
